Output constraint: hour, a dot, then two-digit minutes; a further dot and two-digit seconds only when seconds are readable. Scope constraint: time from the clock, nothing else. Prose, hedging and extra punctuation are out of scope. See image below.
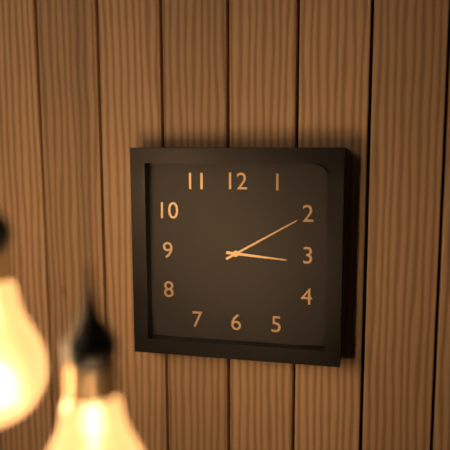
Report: 3.10
